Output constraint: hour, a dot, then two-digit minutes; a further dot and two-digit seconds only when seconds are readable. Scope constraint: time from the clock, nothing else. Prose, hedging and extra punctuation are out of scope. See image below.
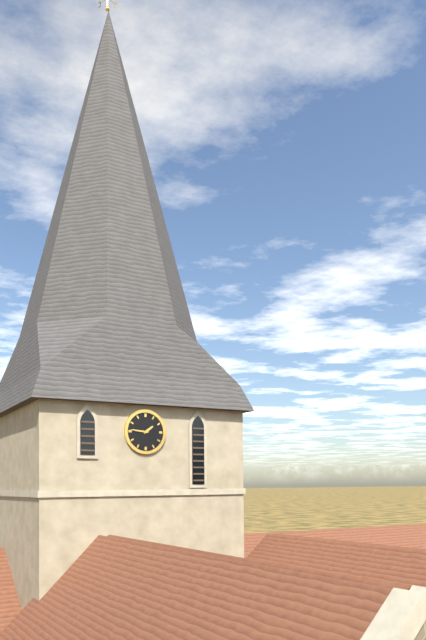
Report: 1.46
